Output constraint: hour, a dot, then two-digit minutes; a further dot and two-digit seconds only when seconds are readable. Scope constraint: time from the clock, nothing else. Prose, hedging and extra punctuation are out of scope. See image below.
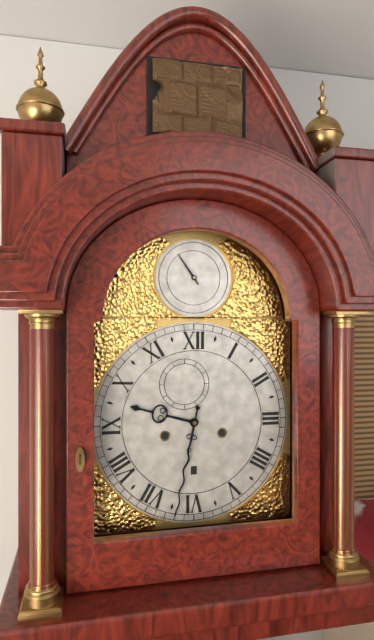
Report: 9.32
